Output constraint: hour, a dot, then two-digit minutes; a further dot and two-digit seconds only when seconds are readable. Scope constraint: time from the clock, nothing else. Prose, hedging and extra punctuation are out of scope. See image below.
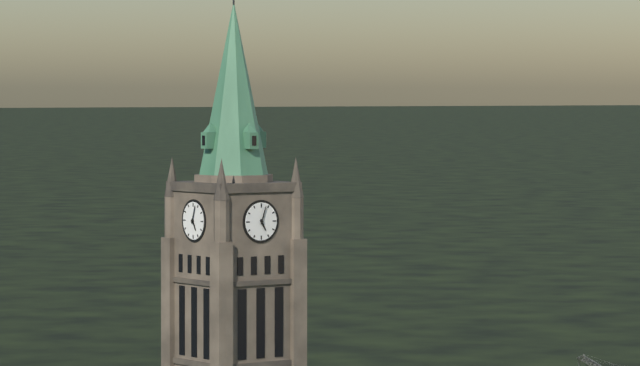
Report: 5.03
